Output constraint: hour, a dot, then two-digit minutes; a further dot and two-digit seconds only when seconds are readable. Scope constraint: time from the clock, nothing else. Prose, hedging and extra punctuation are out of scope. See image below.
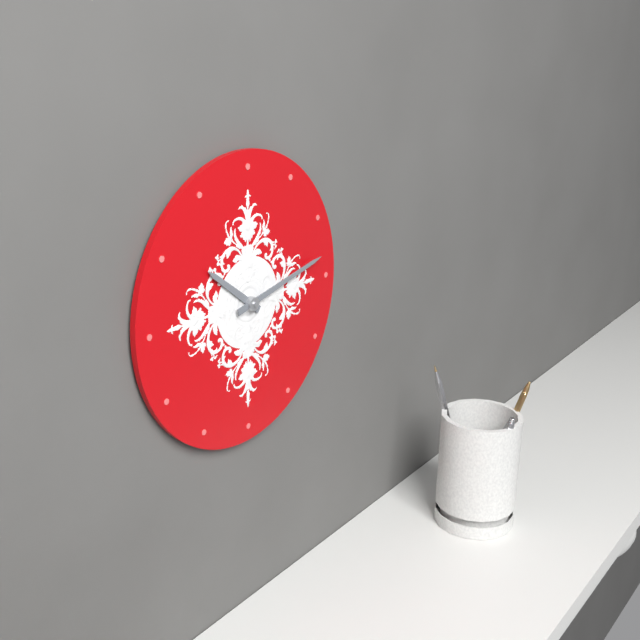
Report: 10.13
